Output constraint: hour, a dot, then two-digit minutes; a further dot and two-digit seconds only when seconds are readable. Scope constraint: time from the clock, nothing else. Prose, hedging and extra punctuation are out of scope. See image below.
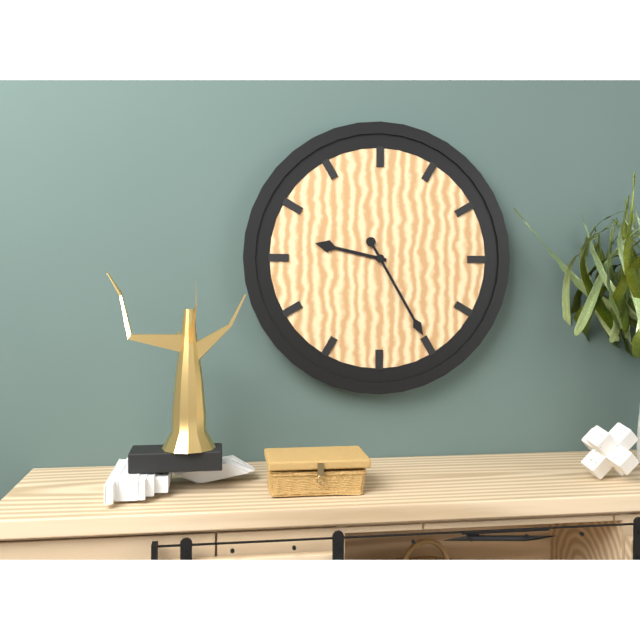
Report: 9.25
